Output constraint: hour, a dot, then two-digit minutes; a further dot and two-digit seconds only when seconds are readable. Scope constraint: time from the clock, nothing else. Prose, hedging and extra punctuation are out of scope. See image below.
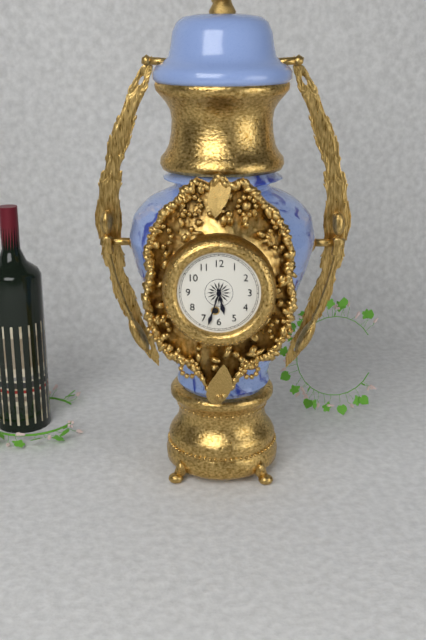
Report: 5.33
